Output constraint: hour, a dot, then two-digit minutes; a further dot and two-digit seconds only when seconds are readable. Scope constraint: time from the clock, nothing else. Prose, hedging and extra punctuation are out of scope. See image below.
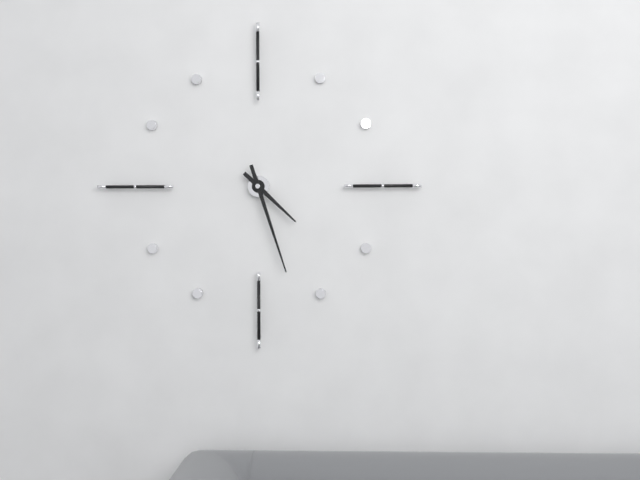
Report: 4.27
